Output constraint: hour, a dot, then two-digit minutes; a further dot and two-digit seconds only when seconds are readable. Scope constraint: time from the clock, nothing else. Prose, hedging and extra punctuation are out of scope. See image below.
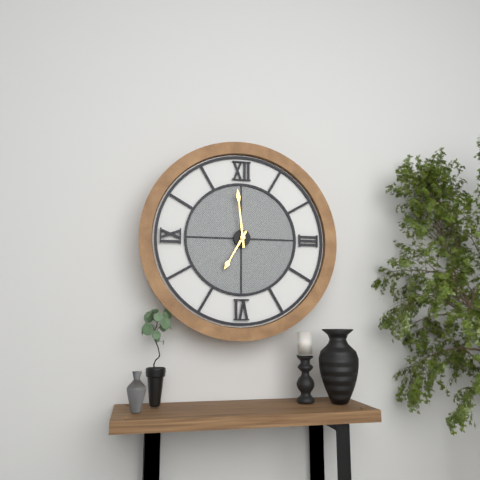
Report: 6.59
